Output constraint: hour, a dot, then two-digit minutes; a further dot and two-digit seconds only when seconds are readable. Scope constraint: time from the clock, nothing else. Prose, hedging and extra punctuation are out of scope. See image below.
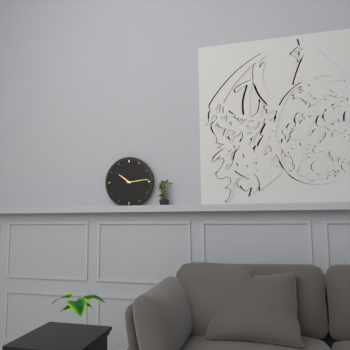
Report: 10.14
